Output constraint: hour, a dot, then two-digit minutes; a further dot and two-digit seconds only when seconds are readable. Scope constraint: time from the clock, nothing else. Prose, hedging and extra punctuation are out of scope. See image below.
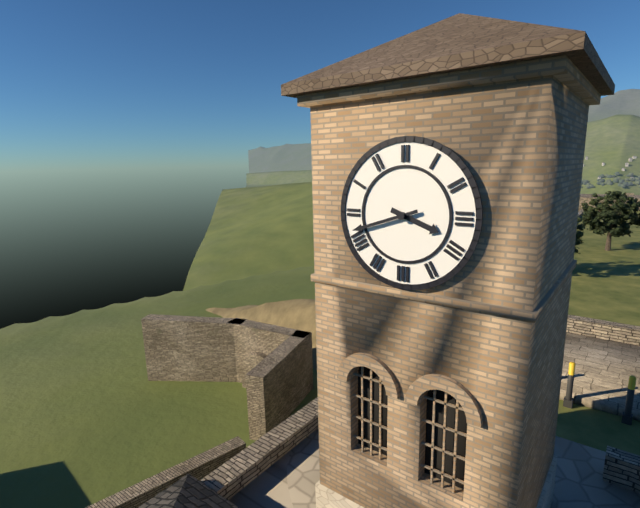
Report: 3.42
